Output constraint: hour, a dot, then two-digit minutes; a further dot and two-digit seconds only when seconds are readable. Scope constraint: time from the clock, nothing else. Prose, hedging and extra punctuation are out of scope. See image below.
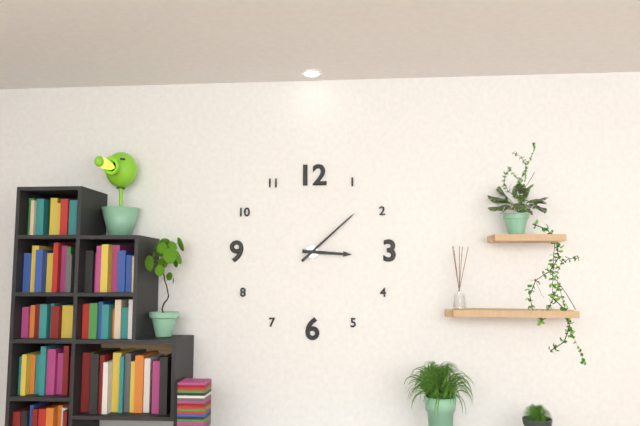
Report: 3.08
